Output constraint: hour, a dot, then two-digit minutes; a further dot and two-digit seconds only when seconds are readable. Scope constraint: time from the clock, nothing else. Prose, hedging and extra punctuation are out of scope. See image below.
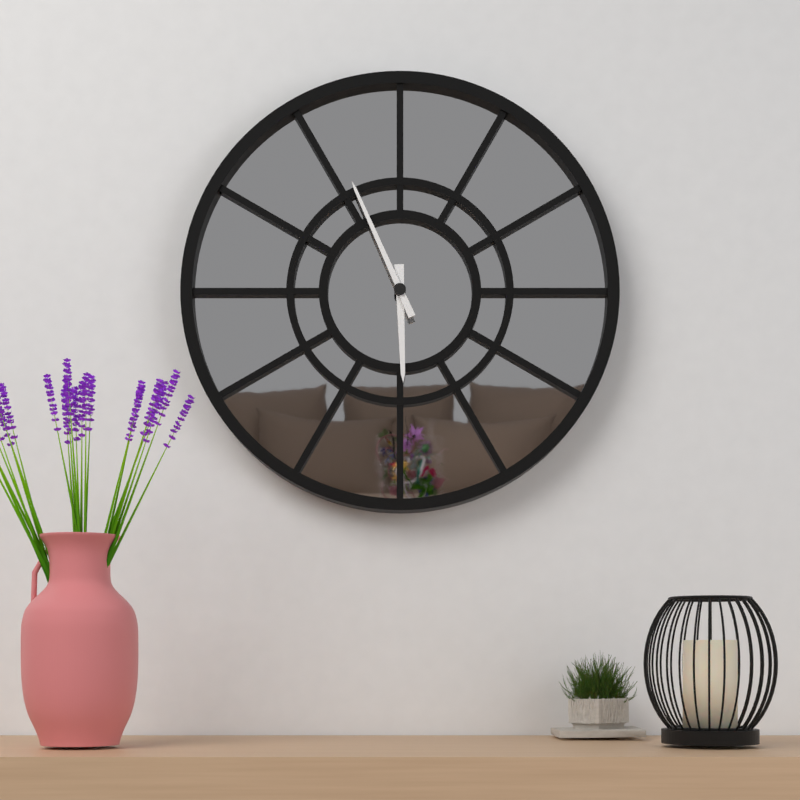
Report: 5.56
